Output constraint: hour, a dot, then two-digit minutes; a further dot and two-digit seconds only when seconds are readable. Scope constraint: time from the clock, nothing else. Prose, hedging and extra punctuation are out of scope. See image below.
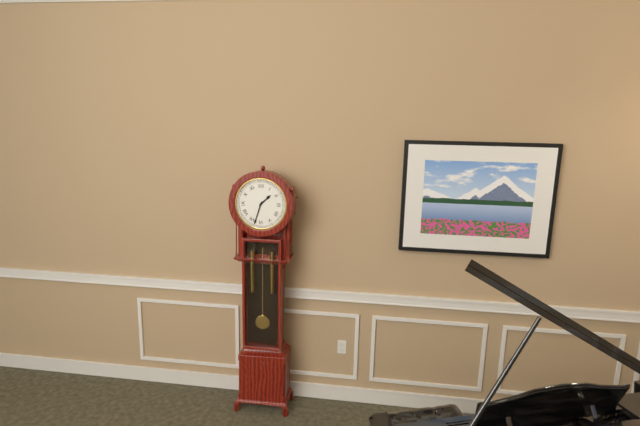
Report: 1.33
